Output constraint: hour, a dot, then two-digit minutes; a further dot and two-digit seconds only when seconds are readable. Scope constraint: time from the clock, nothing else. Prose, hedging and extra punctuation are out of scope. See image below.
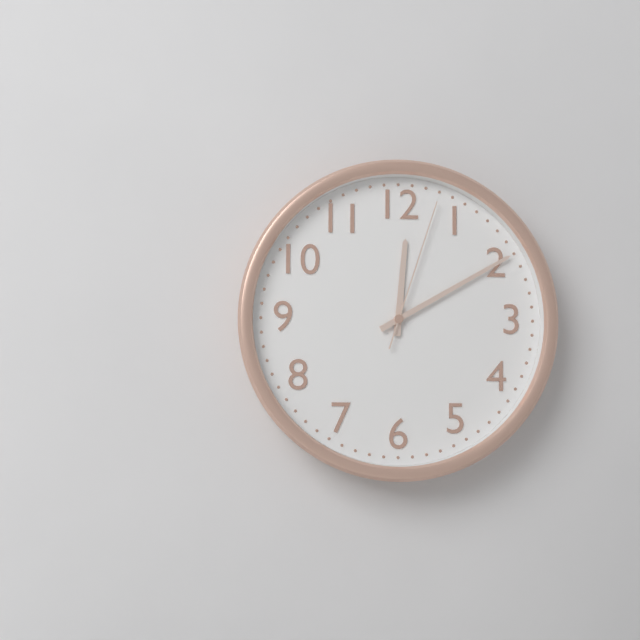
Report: 12.10.03
